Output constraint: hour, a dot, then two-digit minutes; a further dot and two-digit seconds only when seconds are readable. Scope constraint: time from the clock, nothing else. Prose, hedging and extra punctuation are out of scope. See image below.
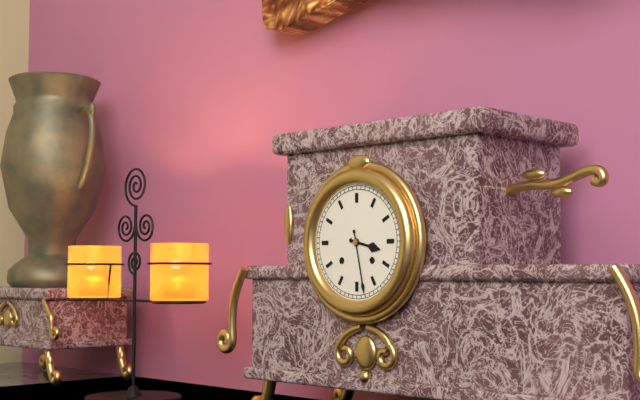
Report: 3.28
